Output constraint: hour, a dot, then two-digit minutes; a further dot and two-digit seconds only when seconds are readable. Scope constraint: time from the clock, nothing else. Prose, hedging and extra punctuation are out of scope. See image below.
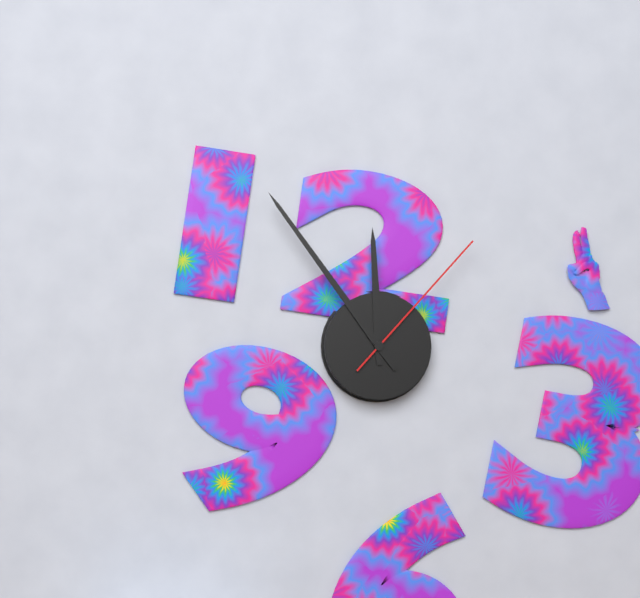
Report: 11.54.07
